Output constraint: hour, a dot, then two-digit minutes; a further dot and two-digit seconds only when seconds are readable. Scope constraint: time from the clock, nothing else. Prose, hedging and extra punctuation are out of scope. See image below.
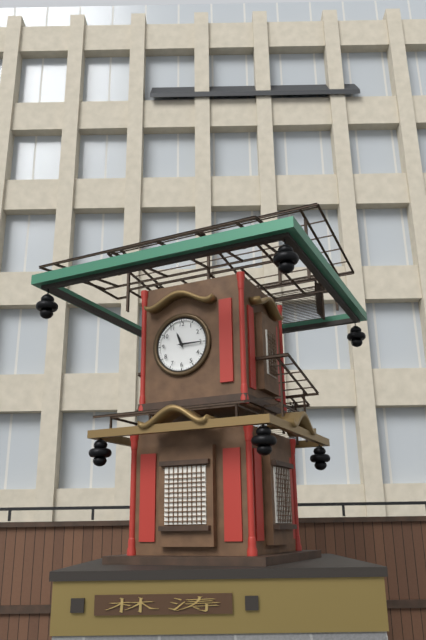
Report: 11.15
